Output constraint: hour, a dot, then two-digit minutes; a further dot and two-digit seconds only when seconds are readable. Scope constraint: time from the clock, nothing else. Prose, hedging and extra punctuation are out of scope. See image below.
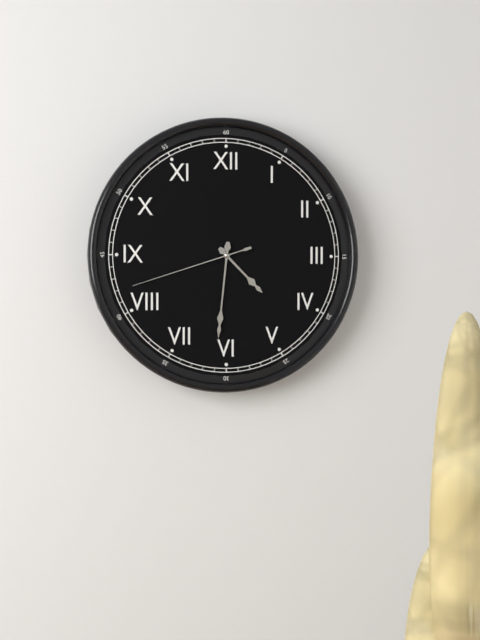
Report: 4.31.42
